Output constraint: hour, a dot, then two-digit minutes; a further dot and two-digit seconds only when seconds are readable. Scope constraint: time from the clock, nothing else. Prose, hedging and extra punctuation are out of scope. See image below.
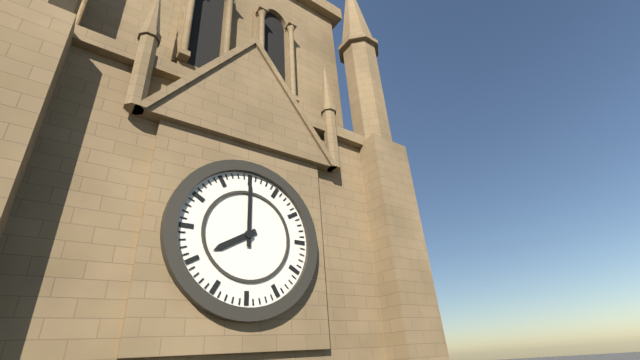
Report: 8.00
